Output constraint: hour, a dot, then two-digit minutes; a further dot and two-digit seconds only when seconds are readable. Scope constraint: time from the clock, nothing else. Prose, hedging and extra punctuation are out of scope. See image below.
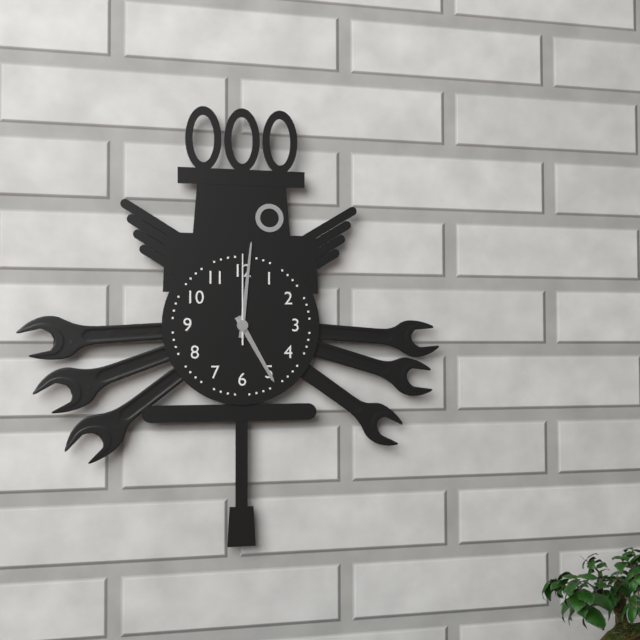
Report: 5.01.00
